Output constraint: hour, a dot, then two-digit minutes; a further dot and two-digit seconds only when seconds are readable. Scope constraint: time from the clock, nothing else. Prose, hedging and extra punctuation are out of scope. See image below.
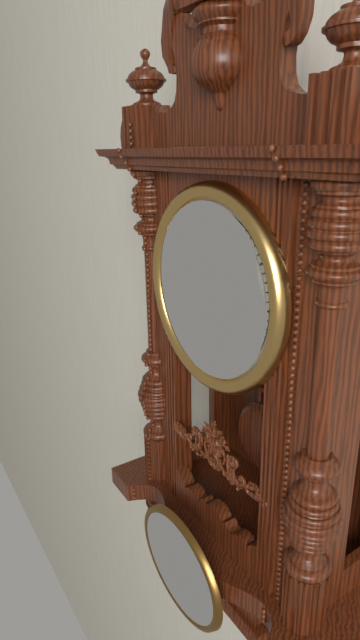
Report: 8.06
